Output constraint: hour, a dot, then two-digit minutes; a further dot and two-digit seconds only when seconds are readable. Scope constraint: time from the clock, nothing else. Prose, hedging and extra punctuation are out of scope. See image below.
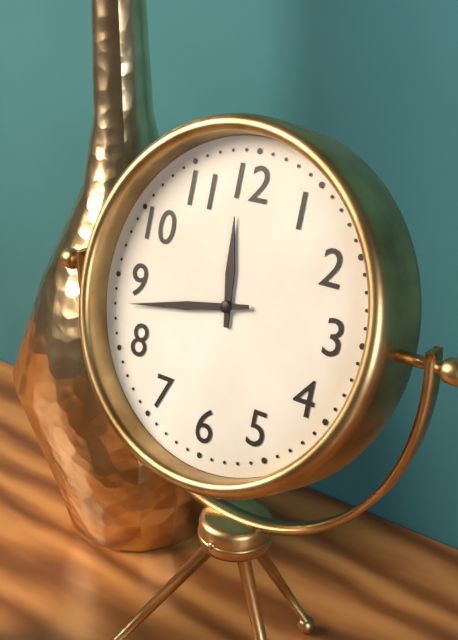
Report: 11.43
